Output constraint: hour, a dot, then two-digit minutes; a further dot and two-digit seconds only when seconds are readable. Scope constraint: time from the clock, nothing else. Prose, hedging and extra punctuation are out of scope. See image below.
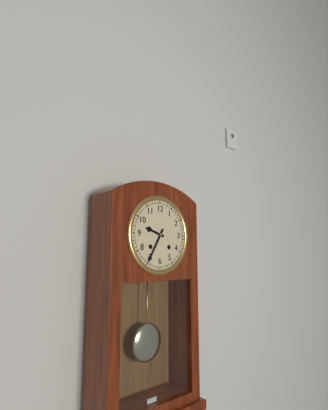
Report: 9.35
